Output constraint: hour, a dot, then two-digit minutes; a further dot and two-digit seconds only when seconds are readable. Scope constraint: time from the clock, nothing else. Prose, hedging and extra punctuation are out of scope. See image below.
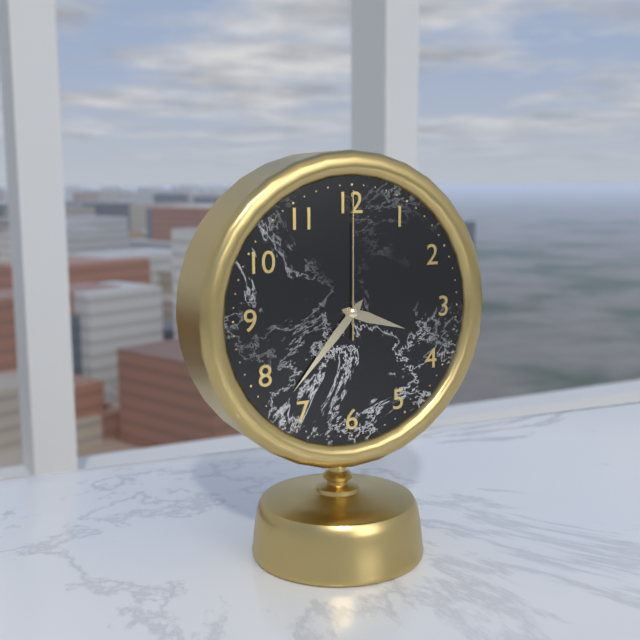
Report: 3.37.00
